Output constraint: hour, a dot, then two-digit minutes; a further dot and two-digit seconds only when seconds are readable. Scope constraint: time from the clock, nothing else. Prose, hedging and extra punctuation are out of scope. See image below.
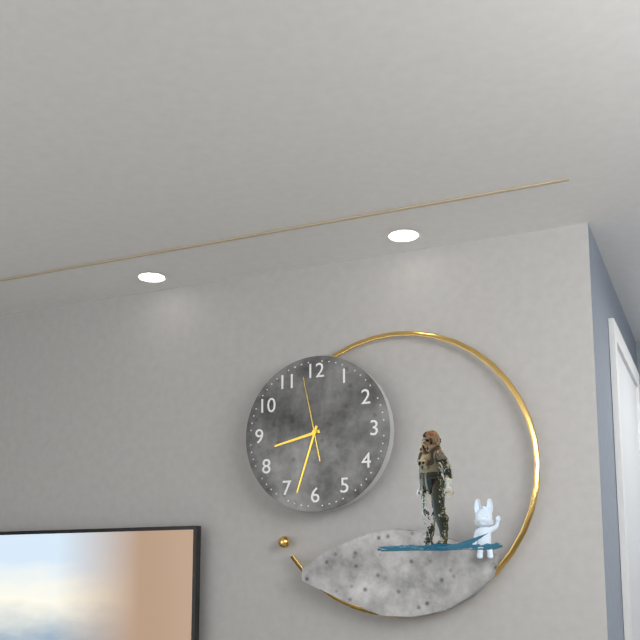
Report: 8.33.58
